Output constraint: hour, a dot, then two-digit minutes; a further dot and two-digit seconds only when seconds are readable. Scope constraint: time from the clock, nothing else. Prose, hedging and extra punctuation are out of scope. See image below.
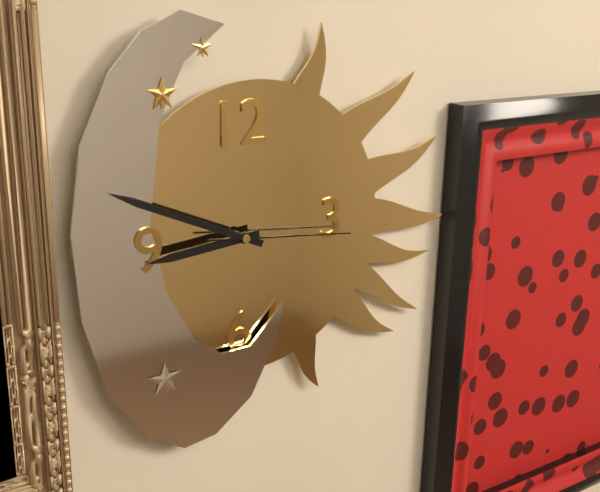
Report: 8.49.16
